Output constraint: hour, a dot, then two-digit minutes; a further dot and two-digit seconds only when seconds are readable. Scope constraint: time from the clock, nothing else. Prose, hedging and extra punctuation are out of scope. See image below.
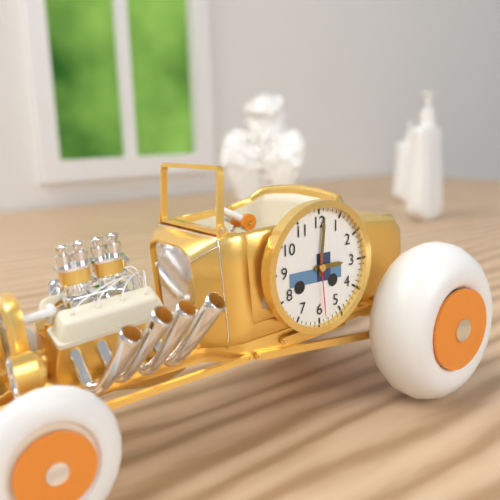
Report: 3.01.29
